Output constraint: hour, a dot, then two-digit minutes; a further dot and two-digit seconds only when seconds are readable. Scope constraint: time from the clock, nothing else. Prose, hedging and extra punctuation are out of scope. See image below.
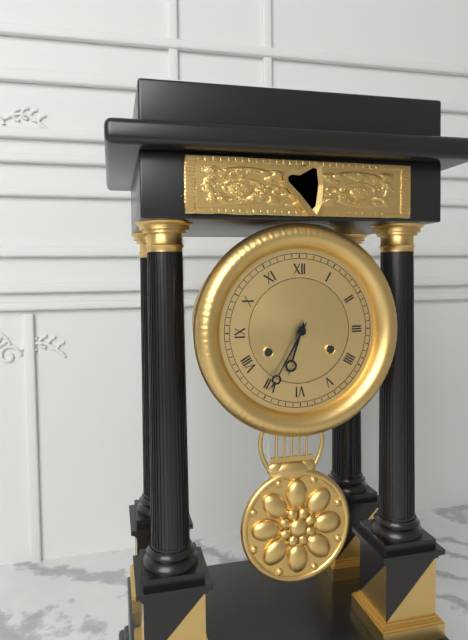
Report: 6.35
